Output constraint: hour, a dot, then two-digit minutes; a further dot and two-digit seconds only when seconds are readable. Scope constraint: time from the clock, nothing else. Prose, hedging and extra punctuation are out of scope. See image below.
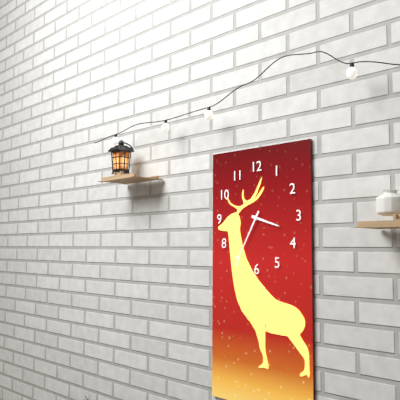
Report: 3.35
